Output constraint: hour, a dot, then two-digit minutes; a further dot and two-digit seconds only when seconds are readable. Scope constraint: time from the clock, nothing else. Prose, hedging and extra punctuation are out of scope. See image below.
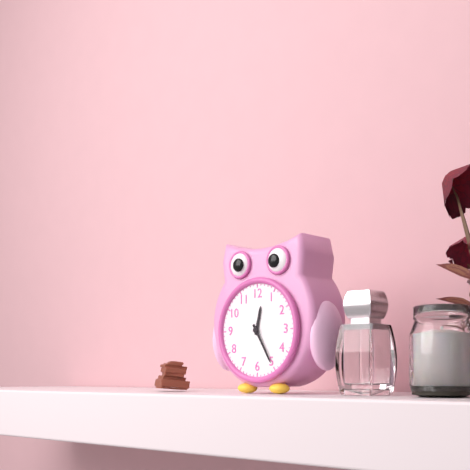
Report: 12.25
